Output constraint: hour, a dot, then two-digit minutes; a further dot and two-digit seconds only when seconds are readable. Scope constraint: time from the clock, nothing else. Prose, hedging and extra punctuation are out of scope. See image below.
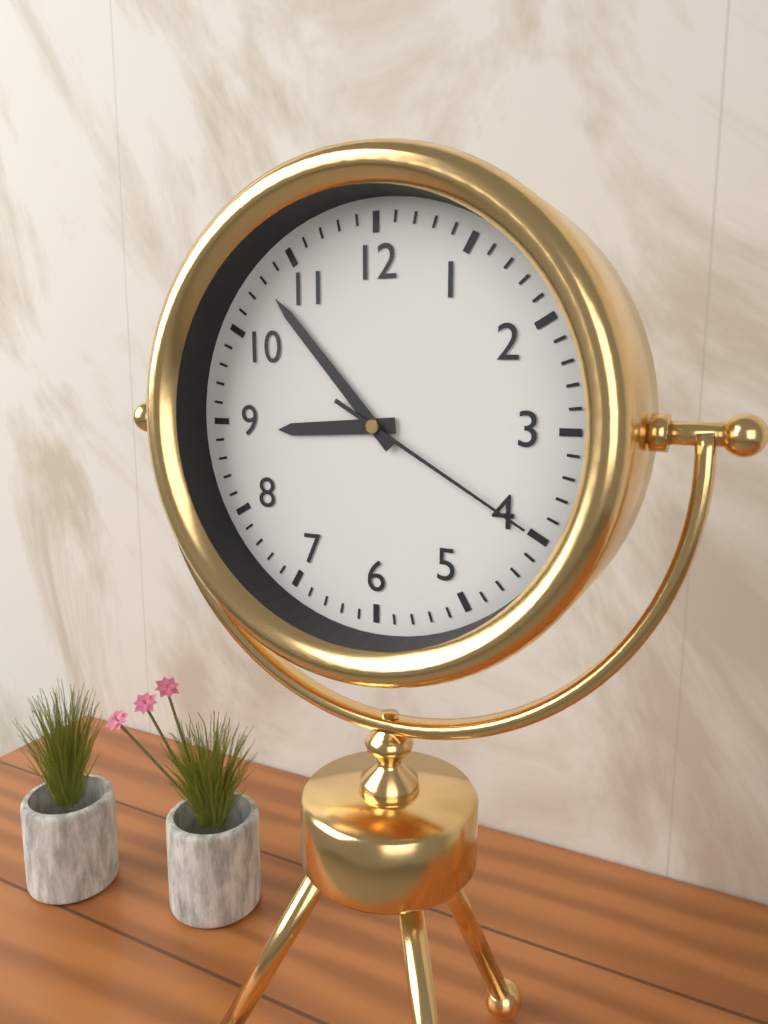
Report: 8.53.20
